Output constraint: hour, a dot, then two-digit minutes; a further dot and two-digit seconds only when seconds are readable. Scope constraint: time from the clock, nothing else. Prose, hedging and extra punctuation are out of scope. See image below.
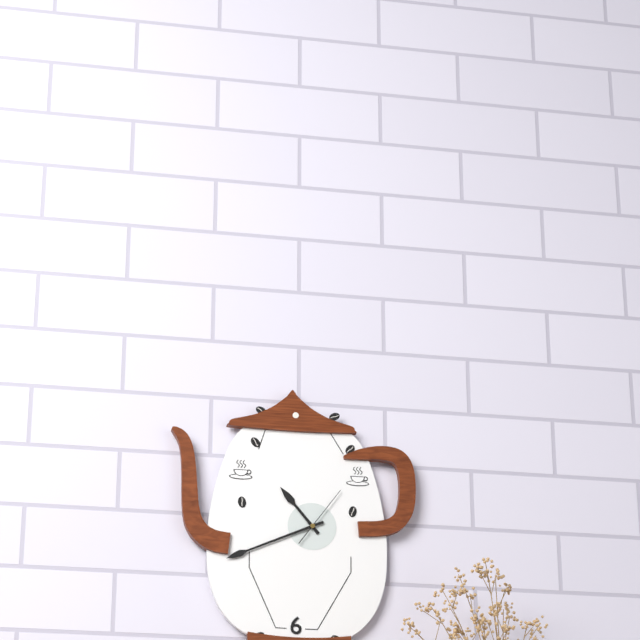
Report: 10.41.06
